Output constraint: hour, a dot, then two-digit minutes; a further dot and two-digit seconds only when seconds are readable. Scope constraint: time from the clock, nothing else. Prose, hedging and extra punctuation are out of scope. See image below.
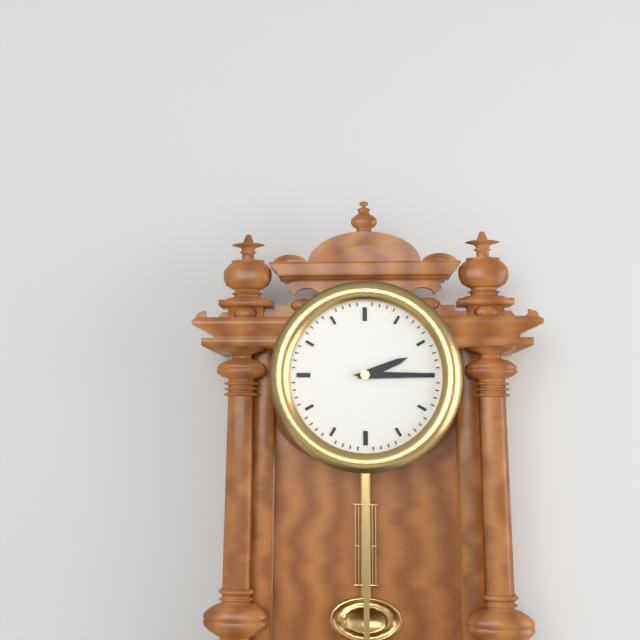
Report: 2.15
